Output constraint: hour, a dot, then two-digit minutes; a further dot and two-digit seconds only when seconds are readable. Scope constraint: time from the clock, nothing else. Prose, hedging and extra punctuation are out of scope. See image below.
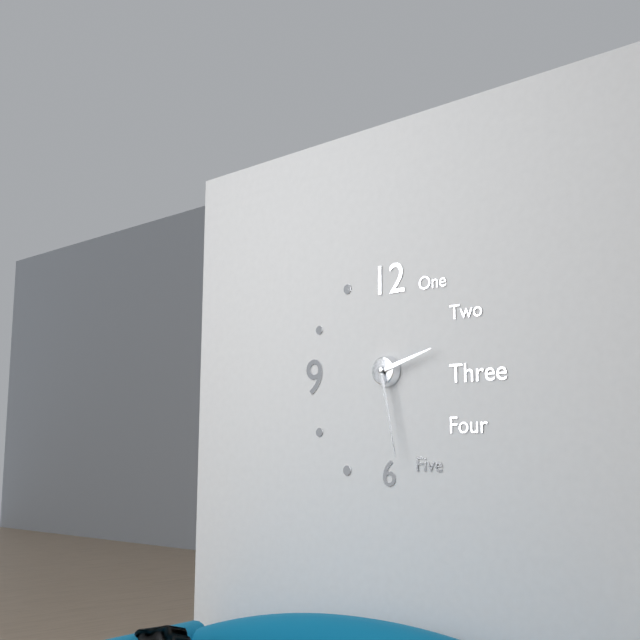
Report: 2.28
